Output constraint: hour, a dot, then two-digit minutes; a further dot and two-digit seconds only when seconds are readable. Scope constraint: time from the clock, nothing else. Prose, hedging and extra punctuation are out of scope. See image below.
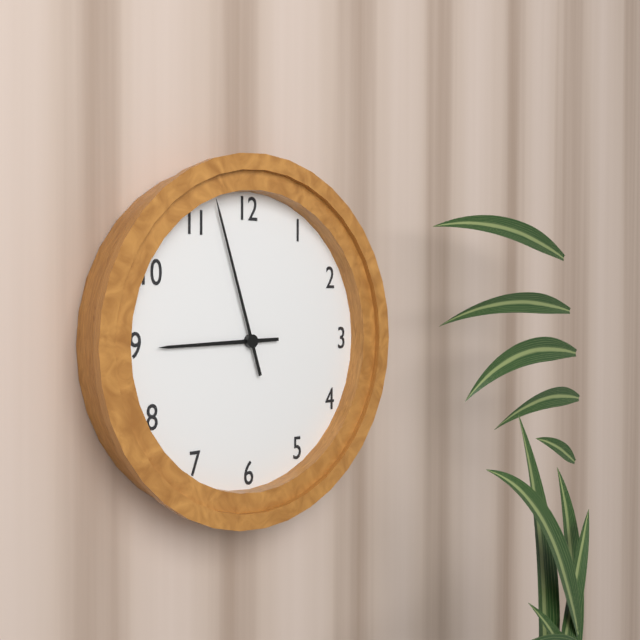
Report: 8.57
